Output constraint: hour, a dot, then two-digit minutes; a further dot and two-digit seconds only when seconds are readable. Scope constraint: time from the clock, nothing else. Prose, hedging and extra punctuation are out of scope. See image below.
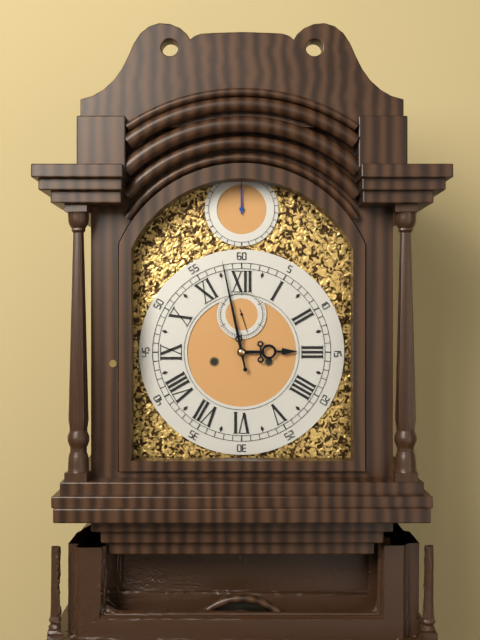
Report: 2.58
